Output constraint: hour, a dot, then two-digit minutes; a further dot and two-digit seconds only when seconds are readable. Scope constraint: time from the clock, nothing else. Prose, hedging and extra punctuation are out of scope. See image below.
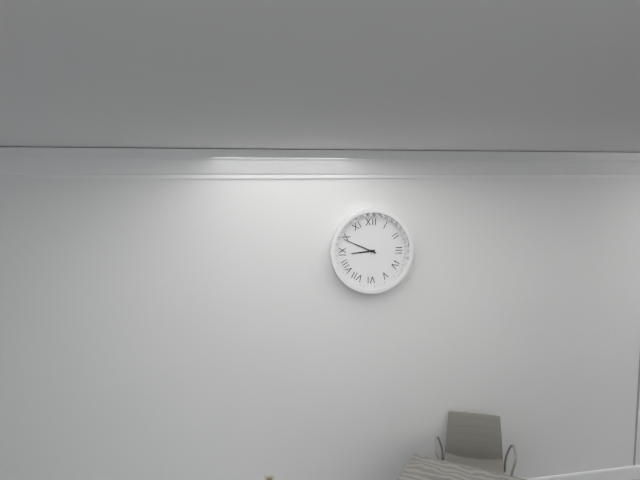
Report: 8.49
